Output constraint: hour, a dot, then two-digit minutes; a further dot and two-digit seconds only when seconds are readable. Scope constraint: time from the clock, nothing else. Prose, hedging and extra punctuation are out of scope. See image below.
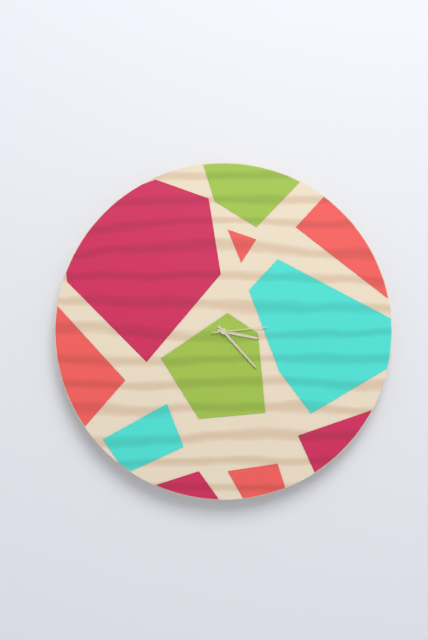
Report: 3.23.14
